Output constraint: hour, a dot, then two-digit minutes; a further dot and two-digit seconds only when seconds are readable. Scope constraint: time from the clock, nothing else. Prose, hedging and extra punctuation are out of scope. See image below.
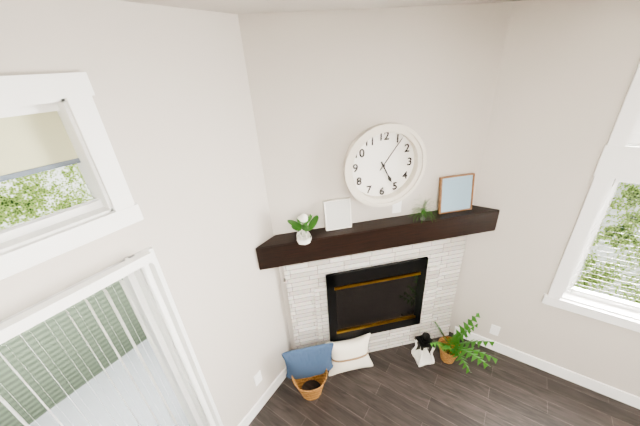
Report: 5.06
